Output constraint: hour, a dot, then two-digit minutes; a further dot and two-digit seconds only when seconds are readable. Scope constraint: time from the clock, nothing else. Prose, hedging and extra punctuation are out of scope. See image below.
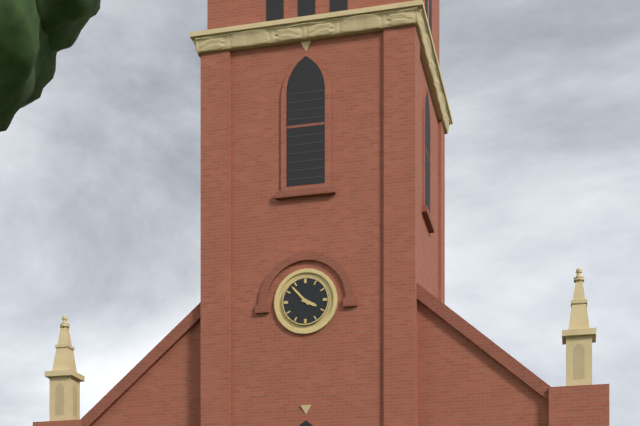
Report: 3.53
